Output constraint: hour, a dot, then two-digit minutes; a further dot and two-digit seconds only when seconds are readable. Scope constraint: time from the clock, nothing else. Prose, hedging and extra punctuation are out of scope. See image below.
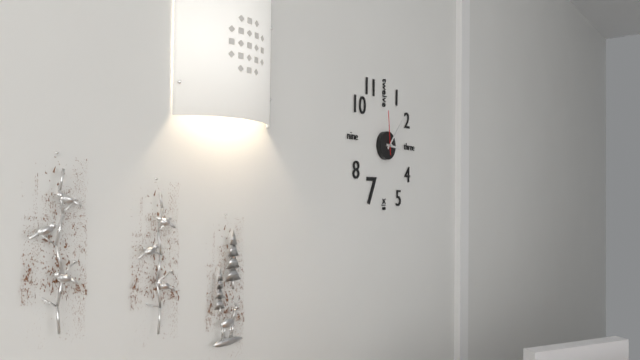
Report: 3.07
